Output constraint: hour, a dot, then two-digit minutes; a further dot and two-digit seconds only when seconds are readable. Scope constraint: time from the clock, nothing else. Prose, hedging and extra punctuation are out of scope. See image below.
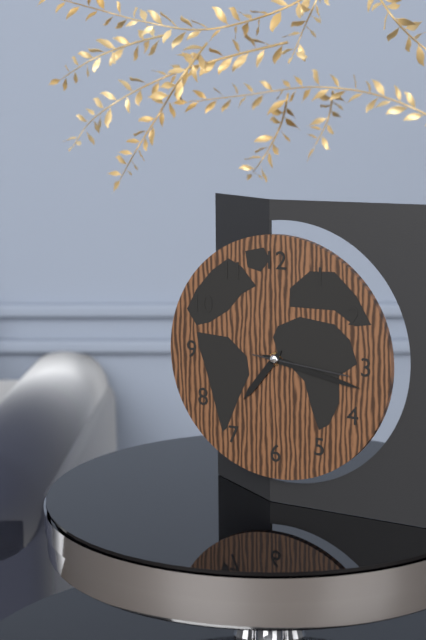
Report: 7.17.16
